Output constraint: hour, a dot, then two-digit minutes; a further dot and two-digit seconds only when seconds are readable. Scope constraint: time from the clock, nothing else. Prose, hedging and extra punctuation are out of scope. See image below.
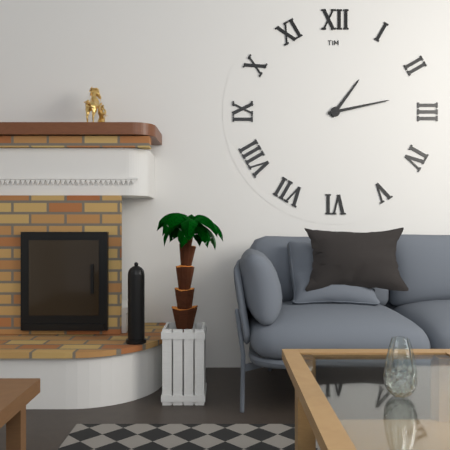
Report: 1.13
